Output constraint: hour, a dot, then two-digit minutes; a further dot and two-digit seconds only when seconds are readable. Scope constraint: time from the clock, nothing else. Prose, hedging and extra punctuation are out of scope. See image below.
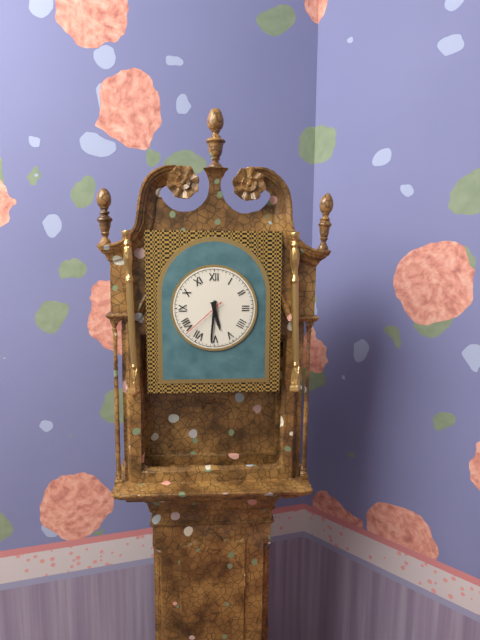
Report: 5.31
